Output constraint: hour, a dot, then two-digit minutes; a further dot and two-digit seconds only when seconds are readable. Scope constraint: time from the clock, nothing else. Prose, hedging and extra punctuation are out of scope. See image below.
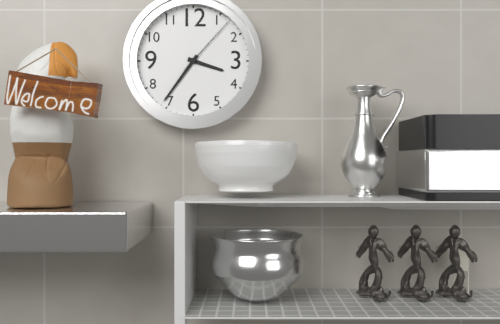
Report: 3.36.07
